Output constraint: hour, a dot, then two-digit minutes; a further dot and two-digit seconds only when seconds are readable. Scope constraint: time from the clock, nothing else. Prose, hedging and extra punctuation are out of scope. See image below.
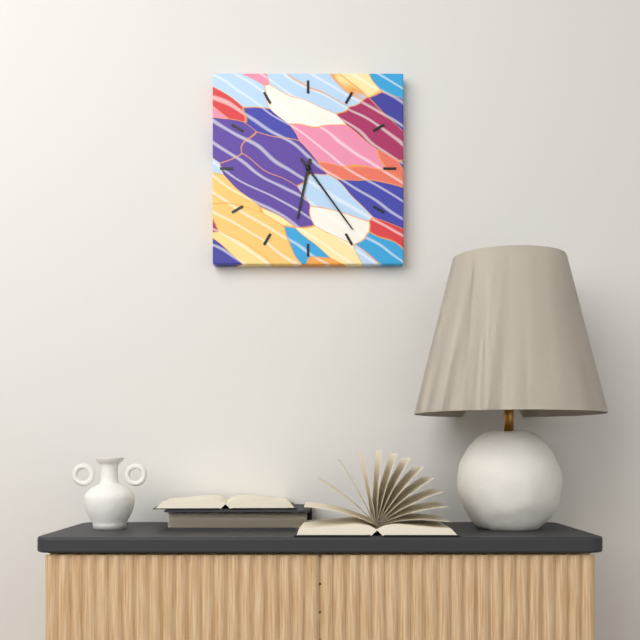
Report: 6.24
